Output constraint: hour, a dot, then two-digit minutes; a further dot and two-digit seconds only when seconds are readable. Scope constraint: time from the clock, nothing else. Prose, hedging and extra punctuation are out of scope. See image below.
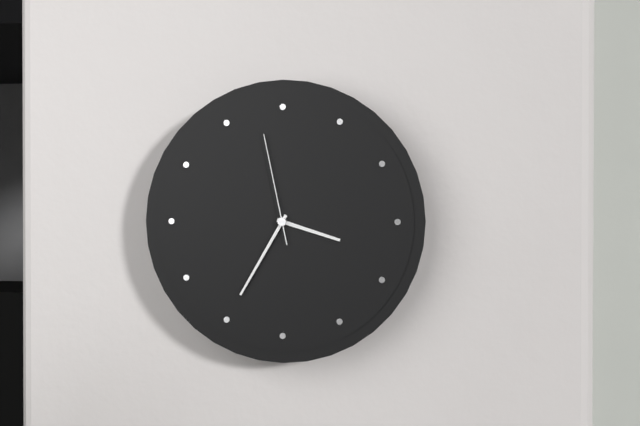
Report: 3.35.58
